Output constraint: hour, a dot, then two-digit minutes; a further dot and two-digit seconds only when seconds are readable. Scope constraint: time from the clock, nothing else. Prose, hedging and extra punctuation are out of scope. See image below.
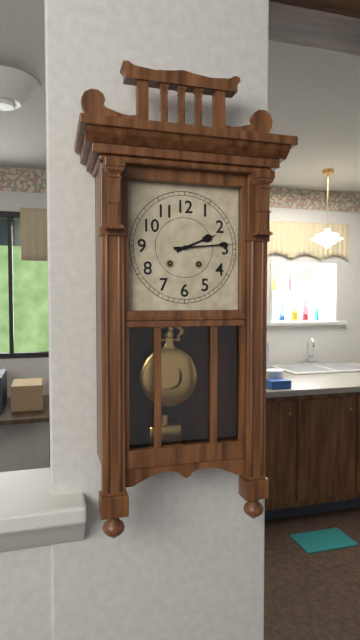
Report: 2.14
